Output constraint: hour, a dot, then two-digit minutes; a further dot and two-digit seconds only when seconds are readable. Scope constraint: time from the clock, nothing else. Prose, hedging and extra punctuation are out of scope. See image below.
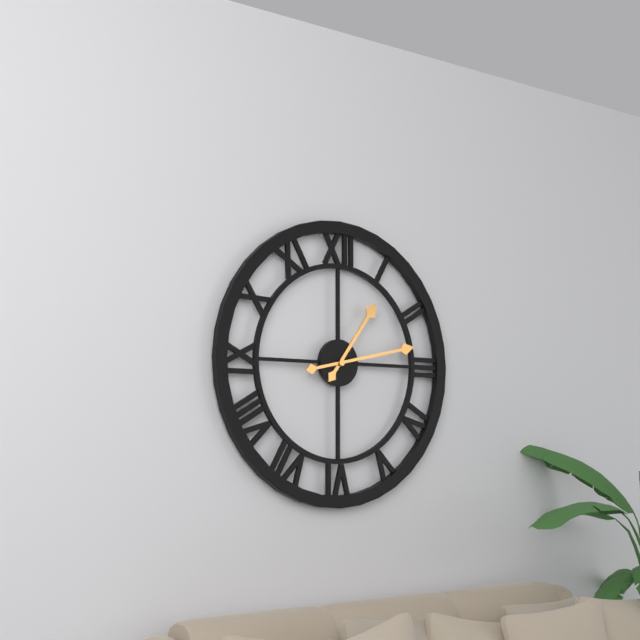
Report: 1.13
